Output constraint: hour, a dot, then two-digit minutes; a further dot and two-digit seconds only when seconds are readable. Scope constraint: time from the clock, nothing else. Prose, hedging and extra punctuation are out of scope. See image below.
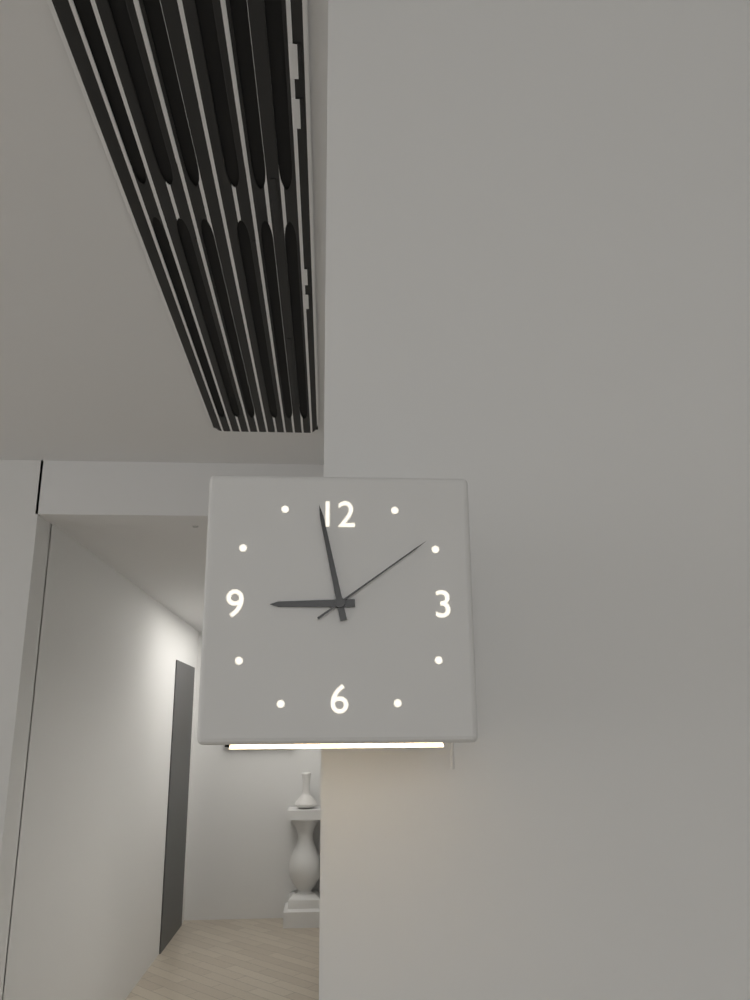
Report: 8.58.09
